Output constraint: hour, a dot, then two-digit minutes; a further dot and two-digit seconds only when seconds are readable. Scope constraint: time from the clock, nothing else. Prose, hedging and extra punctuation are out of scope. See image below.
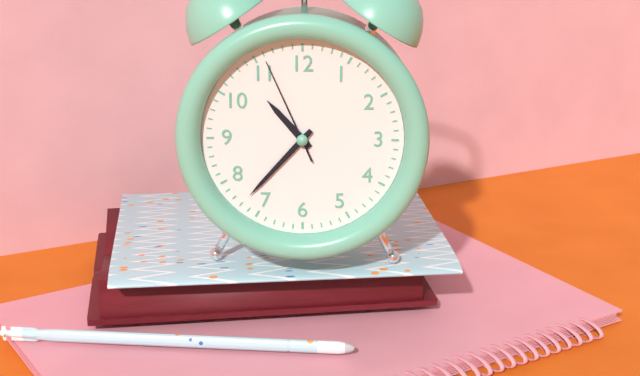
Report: 10.37.56
